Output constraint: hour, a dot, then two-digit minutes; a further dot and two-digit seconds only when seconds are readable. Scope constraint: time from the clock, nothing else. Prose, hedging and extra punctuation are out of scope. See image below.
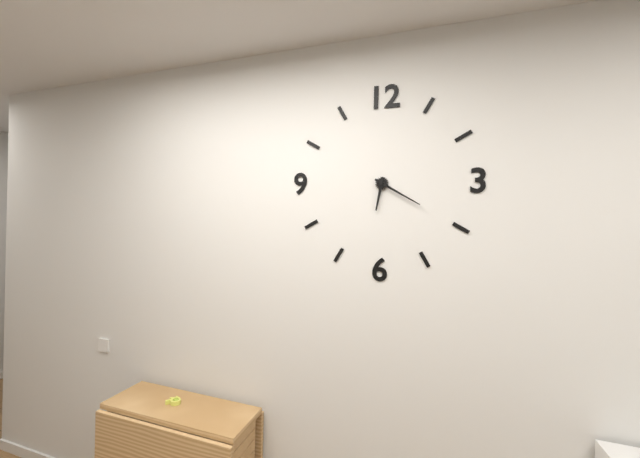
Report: 6.20
